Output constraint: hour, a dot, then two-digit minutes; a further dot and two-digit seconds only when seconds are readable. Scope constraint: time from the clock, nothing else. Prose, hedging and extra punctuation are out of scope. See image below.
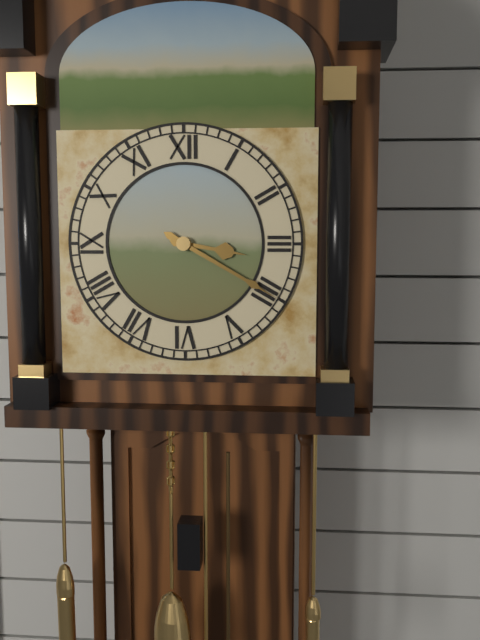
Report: 3.20
